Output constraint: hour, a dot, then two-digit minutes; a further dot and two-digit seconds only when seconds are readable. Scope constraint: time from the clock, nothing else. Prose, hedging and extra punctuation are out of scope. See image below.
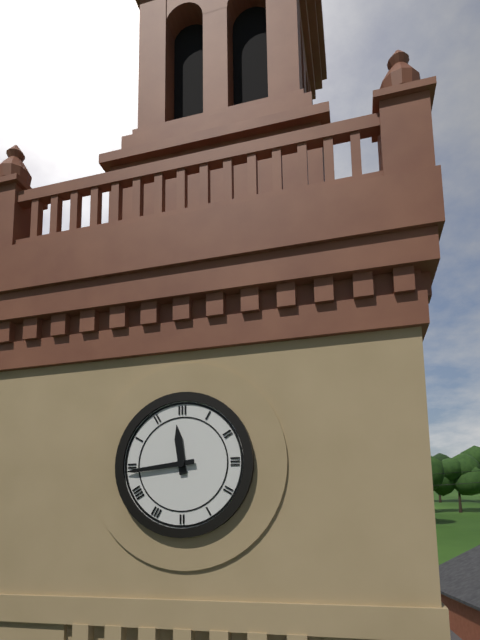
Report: 11.44
